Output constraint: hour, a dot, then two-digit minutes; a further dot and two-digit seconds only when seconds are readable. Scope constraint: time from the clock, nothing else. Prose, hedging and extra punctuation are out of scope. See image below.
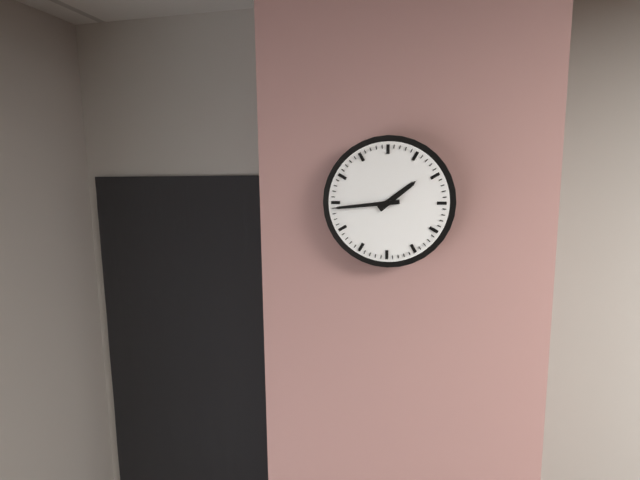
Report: 1.44
